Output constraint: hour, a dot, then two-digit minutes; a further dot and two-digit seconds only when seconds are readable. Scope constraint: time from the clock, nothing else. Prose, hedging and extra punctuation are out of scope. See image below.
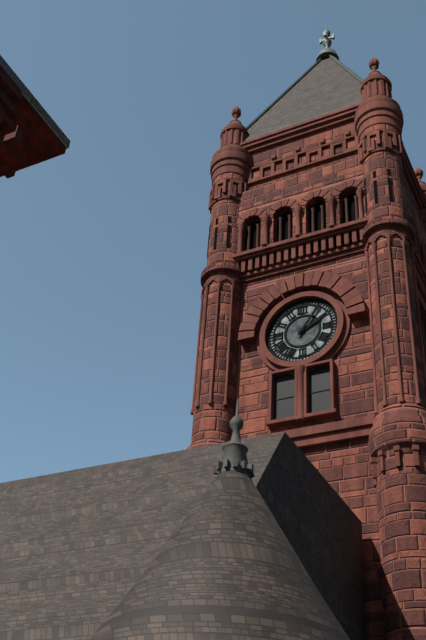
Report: 2.06
